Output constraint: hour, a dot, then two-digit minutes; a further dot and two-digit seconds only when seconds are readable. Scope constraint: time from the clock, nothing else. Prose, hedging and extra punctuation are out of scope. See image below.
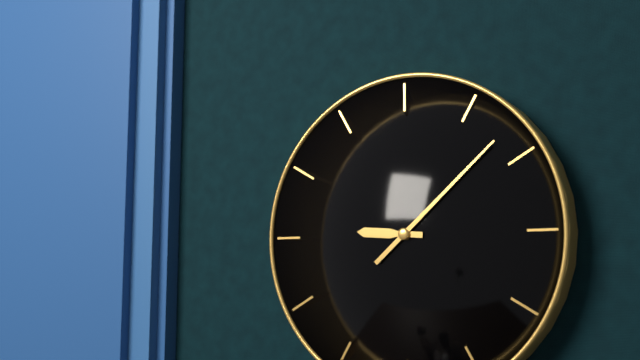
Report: 9.08
